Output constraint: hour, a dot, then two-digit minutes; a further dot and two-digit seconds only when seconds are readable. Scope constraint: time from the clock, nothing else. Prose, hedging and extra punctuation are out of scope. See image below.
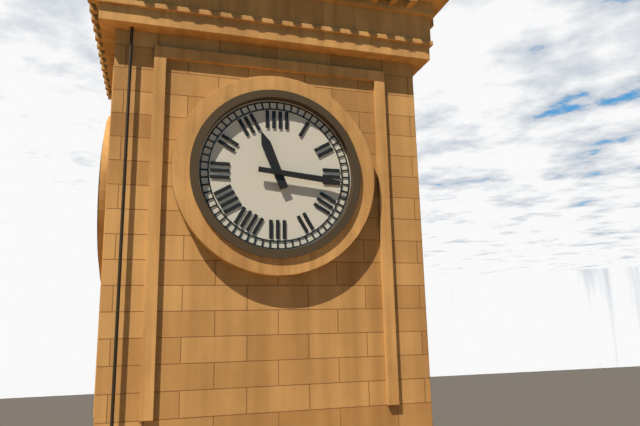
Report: 11.16
